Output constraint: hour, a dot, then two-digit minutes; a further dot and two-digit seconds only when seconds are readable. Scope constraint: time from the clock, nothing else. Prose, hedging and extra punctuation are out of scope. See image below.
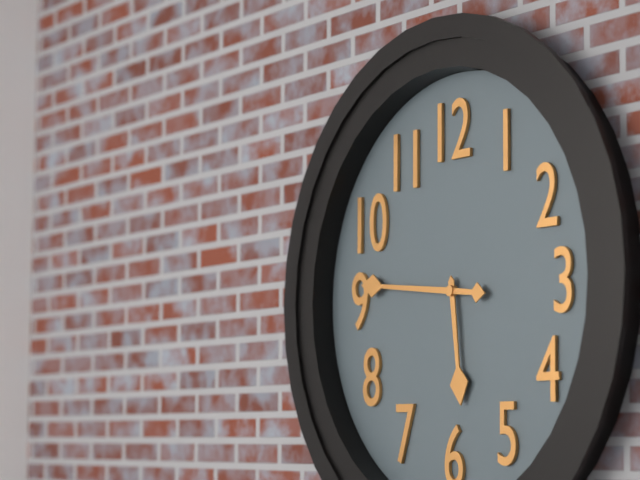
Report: 5.46
